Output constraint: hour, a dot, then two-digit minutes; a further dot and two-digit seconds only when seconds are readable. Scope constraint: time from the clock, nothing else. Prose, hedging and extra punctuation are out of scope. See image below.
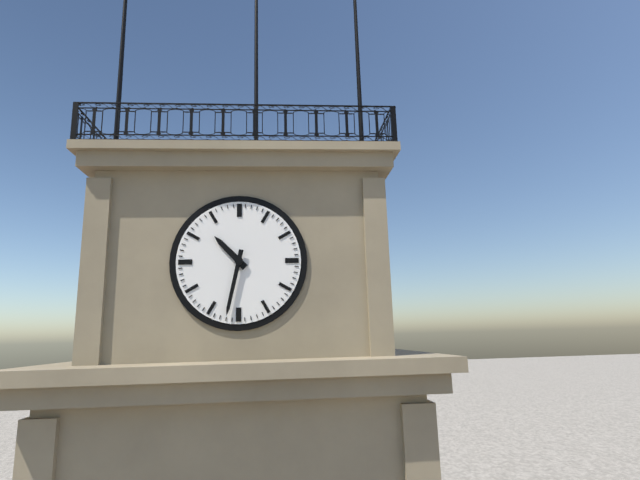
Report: 10.32
